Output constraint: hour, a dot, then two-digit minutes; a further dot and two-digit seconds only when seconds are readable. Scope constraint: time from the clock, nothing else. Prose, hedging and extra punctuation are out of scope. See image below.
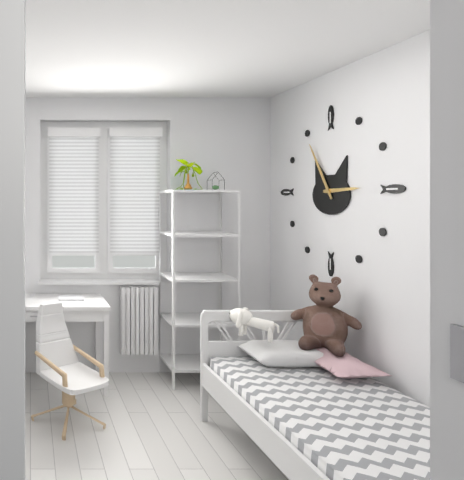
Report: 2.55
